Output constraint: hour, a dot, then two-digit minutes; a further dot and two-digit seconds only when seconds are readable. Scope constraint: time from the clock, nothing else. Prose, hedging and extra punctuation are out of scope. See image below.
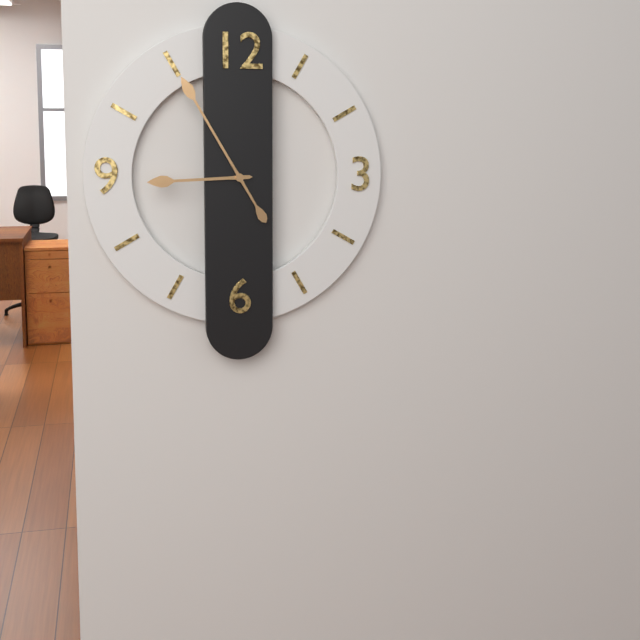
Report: 8.55
